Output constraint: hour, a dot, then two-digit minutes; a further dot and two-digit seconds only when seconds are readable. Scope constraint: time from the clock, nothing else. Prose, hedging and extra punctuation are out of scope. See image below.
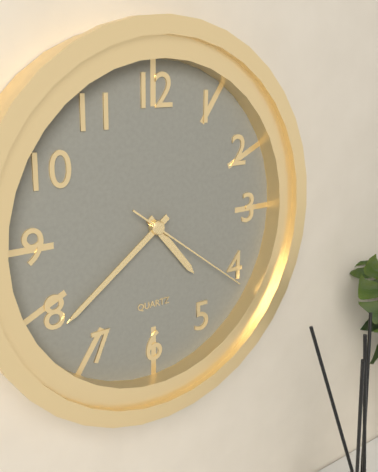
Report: 4.39.21
